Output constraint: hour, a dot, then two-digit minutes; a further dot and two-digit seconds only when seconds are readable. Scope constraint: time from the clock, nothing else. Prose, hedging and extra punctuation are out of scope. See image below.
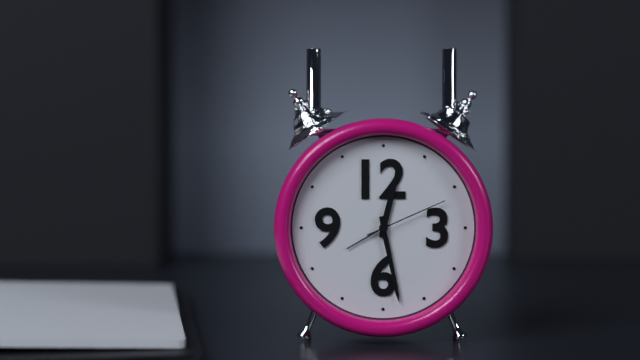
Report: 12.28.11
